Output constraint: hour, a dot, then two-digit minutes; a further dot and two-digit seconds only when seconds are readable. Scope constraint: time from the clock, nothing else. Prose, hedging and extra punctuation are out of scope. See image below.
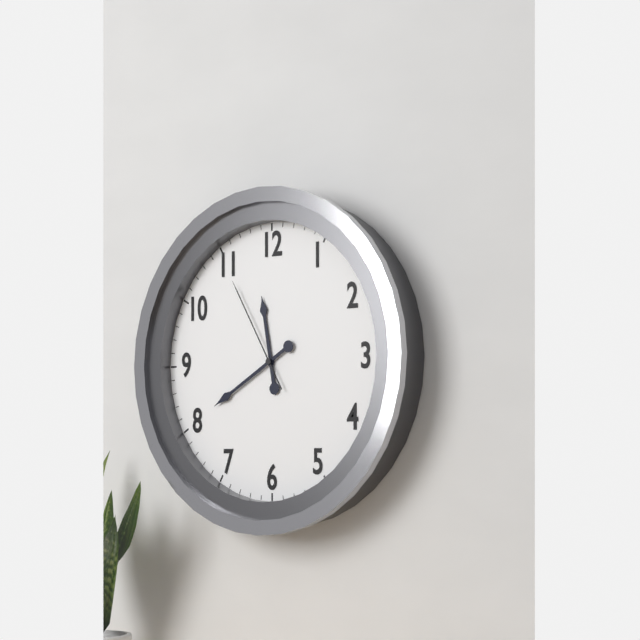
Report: 11.40.55
